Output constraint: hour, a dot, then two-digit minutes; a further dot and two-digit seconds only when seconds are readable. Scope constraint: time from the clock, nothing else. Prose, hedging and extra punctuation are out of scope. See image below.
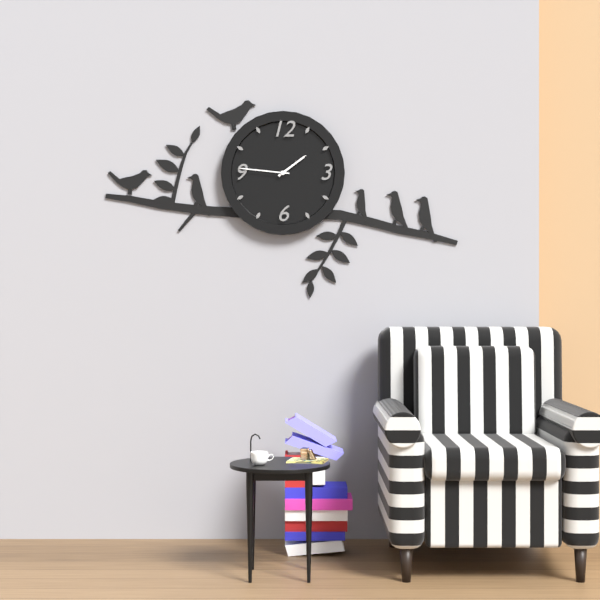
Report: 1.46
